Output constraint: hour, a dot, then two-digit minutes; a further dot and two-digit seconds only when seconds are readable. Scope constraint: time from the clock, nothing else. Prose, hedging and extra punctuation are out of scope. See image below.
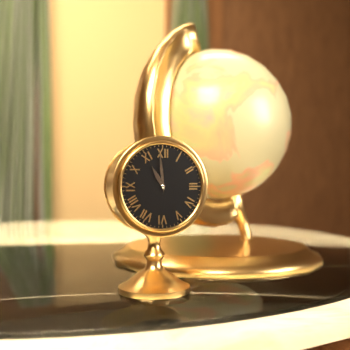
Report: 10.59
